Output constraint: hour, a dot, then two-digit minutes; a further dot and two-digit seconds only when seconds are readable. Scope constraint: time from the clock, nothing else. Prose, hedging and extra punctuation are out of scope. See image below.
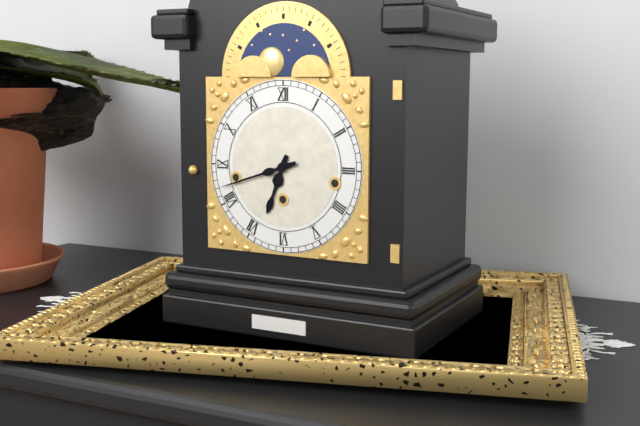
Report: 6.42
